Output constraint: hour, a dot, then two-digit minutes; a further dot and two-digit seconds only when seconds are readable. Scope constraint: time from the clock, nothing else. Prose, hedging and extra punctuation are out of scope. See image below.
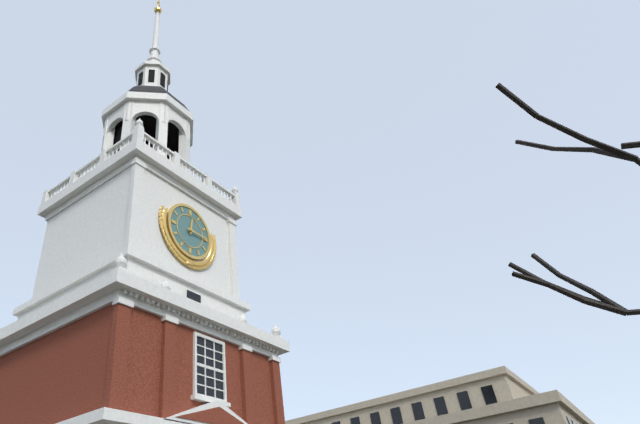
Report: 12.15
